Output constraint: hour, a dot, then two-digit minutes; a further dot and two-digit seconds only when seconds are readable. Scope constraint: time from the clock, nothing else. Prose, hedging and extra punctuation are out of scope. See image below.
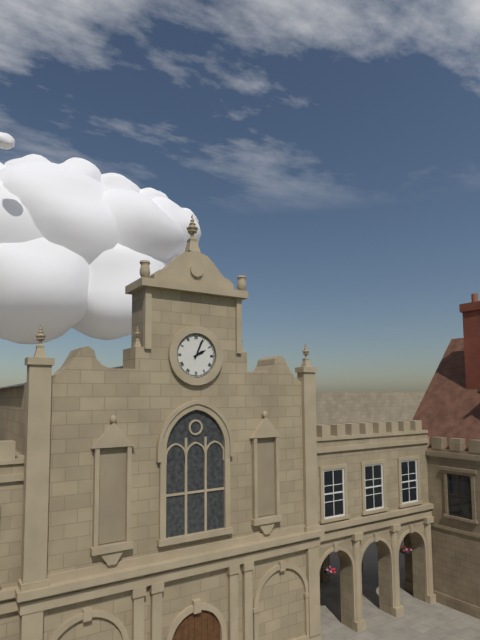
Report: 2.04
